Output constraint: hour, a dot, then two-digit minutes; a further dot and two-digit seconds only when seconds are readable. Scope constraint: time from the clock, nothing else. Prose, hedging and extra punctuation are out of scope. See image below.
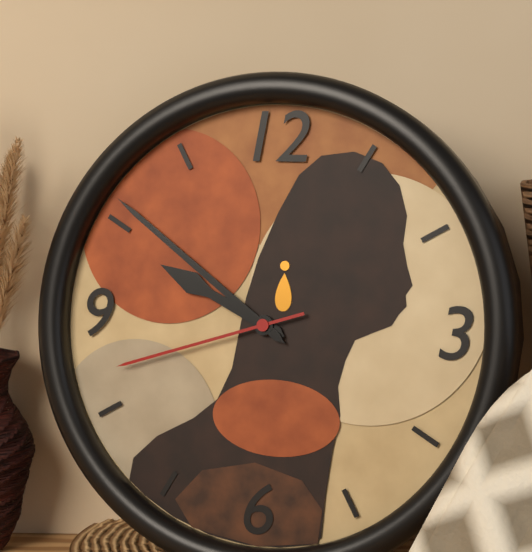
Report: 9.51.42
